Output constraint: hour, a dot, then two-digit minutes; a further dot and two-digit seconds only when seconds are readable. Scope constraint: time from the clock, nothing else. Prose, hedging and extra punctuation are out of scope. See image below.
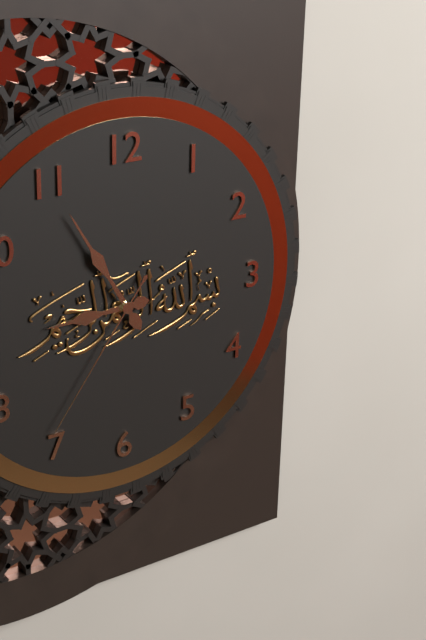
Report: 8.55.36
